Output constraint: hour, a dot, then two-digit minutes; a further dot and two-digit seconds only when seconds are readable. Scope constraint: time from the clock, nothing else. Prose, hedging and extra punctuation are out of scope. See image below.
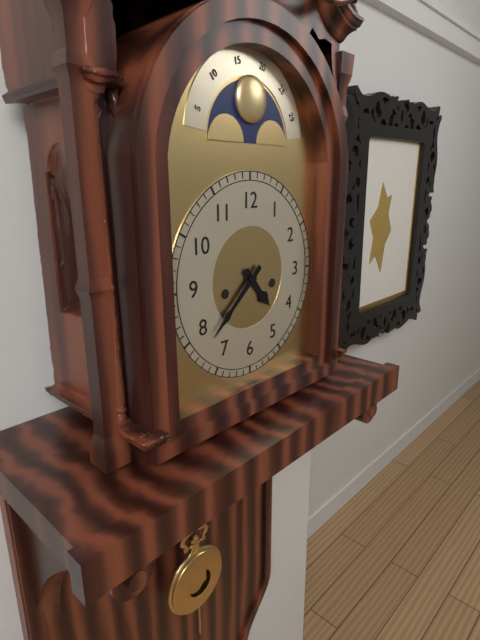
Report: 4.38
